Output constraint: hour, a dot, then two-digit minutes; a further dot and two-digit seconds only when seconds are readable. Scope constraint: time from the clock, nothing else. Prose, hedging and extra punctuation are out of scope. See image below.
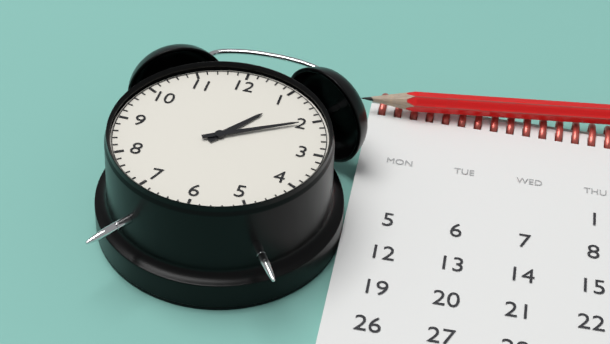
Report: 1.10
